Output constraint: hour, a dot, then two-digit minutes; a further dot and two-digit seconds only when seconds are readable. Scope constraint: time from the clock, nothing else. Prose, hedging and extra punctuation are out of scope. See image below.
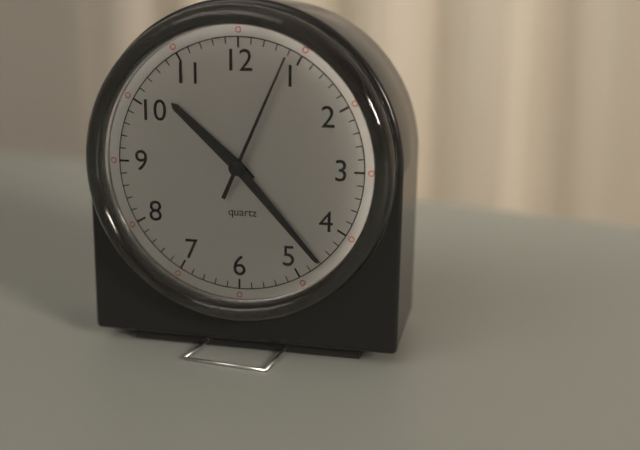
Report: 10.23.04
